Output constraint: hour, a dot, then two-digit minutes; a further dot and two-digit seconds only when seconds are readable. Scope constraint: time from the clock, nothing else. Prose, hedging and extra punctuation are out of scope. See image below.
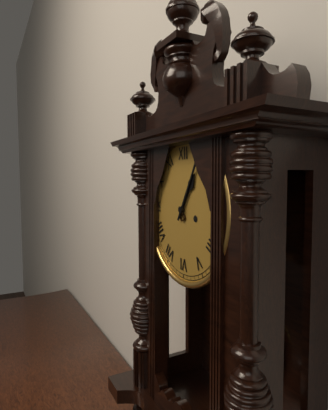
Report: 1.05
